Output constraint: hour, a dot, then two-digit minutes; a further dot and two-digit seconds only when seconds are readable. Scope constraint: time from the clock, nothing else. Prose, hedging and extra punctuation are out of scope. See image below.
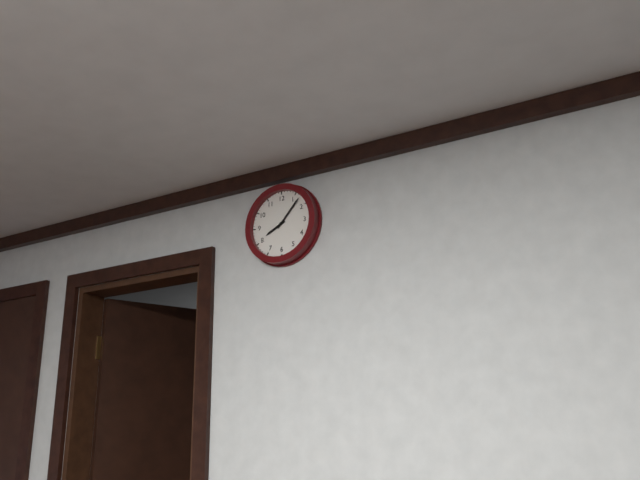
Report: 8.07
